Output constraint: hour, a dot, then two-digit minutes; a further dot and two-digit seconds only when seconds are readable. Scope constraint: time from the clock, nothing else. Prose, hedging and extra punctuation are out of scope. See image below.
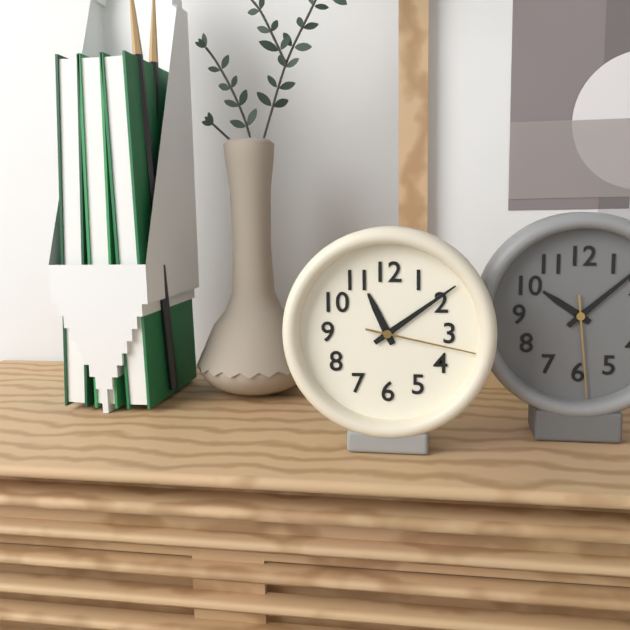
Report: 11.09.17
